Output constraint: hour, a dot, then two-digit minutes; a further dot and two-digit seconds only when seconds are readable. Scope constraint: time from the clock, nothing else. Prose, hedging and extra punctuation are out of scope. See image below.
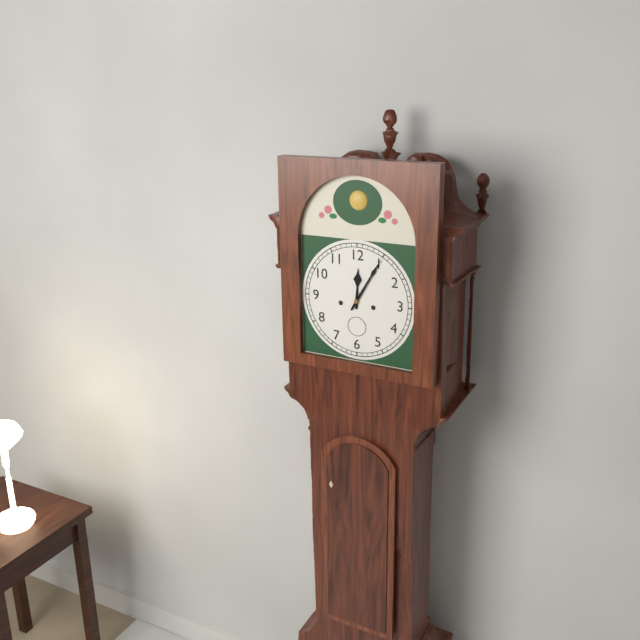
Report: 12.05
